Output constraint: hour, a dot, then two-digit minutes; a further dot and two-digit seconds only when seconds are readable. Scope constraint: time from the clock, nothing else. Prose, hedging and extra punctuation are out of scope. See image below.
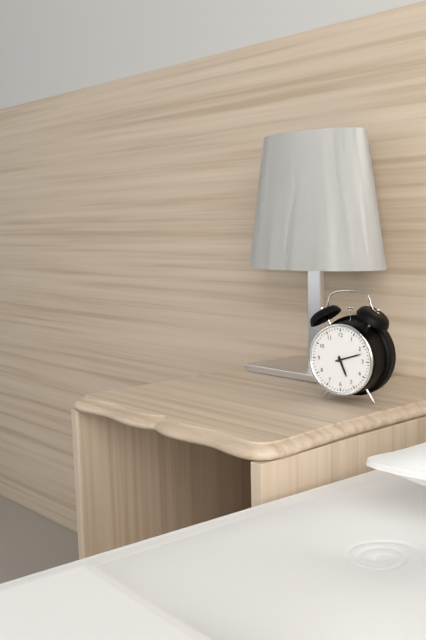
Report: 5.12
